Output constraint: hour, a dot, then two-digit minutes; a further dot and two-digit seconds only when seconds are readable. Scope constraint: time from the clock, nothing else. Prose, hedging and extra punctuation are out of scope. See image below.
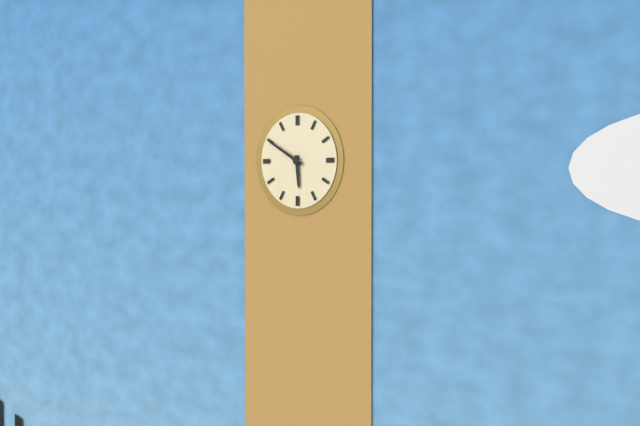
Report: 5.50
